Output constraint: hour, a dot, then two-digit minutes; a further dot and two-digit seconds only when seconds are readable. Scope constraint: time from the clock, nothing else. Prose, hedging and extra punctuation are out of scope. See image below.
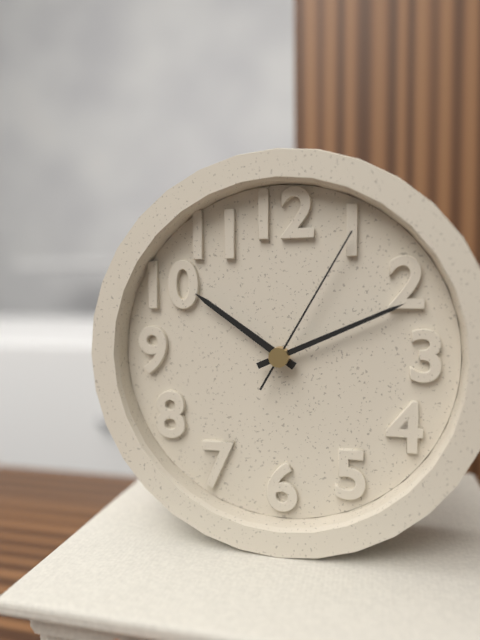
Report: 10.11.05
